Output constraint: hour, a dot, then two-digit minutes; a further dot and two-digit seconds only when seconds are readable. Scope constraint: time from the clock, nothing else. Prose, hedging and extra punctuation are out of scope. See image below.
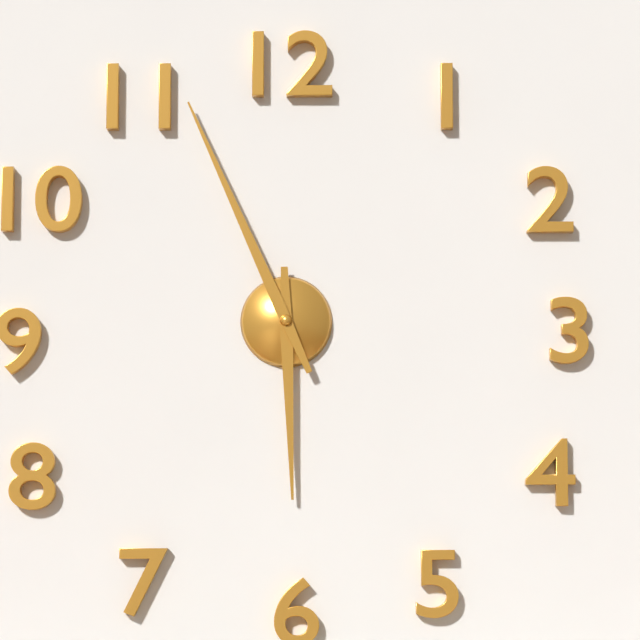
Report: 5.56
